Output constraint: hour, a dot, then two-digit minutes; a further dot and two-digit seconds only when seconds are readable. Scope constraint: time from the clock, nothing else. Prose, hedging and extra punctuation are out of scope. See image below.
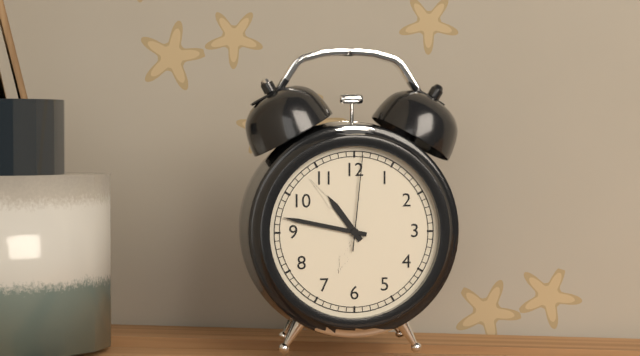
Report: 10.47.01
